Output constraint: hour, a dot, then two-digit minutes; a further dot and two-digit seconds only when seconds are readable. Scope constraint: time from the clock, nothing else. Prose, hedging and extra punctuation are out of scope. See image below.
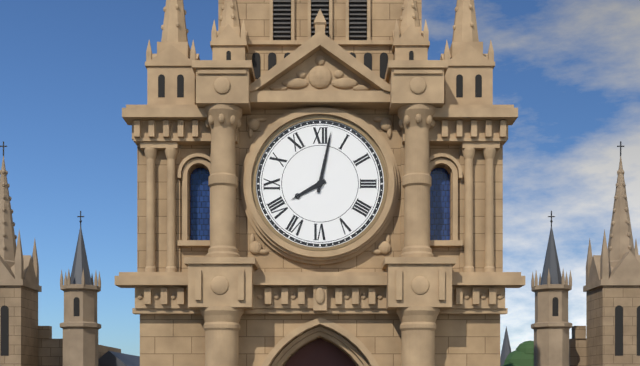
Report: 8.02
